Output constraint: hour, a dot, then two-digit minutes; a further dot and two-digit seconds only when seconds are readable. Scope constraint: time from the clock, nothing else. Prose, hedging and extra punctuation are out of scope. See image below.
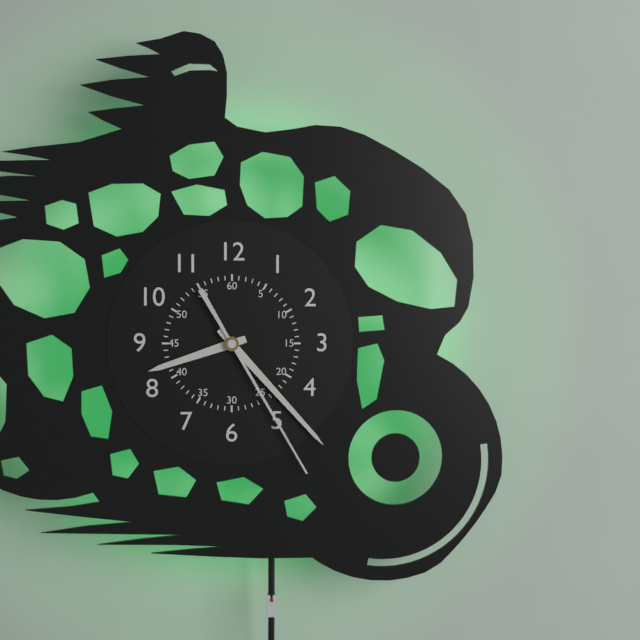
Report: 8.23.25
